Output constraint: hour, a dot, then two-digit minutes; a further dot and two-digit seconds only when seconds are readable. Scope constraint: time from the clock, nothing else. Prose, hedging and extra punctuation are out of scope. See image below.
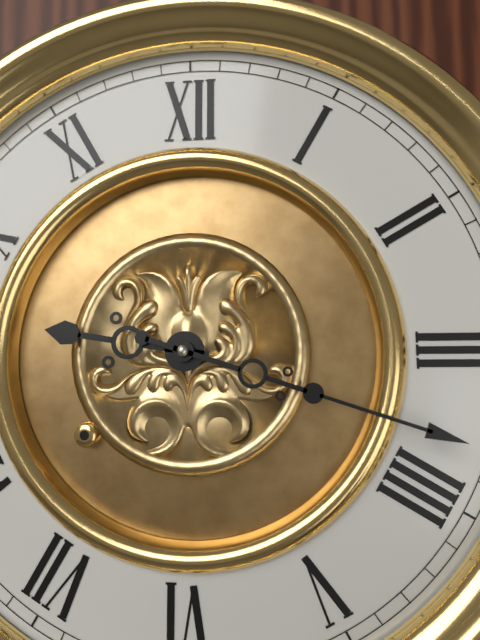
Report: 9.18
